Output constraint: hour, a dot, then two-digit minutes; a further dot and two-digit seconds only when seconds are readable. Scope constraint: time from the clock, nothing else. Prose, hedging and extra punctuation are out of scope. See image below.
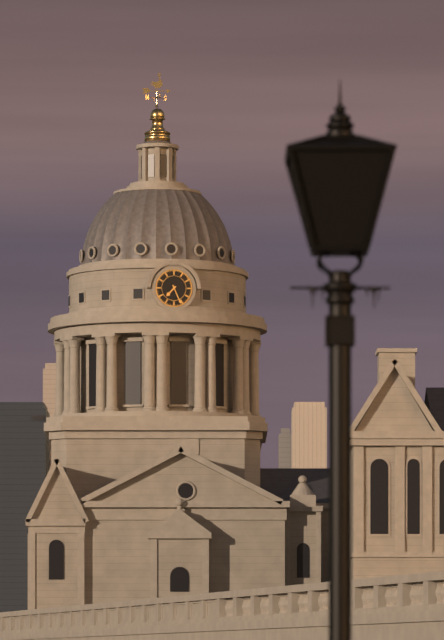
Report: 7.26
